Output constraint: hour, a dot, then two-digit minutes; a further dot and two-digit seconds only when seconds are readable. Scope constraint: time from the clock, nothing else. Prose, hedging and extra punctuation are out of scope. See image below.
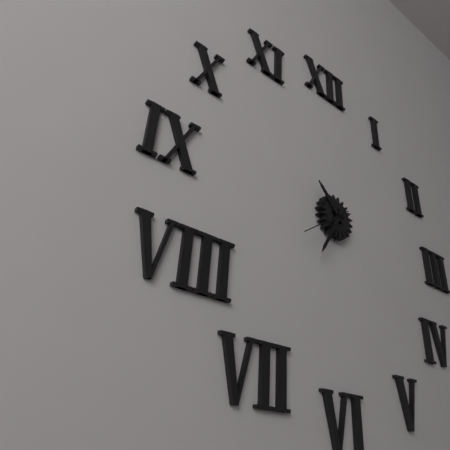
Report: 10.35
